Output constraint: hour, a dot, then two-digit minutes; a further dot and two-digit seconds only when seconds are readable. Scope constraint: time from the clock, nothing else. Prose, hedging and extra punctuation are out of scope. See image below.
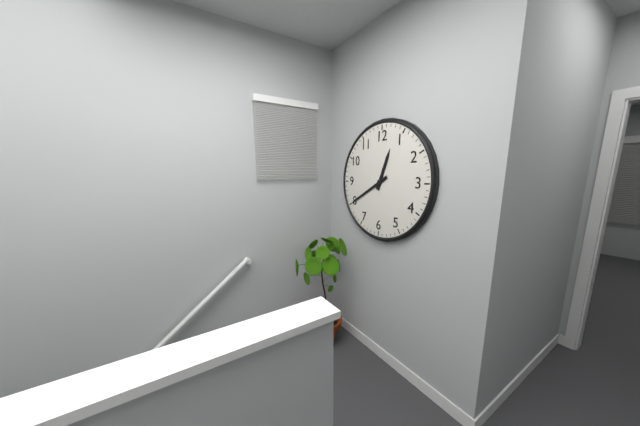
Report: 12.40
